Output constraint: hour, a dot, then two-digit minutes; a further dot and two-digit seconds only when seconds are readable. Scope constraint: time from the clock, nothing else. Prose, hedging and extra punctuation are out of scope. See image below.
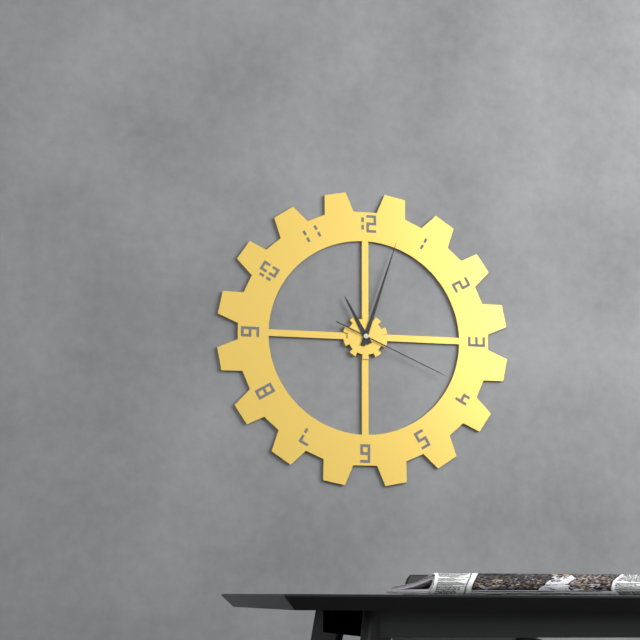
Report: 11.03.19
